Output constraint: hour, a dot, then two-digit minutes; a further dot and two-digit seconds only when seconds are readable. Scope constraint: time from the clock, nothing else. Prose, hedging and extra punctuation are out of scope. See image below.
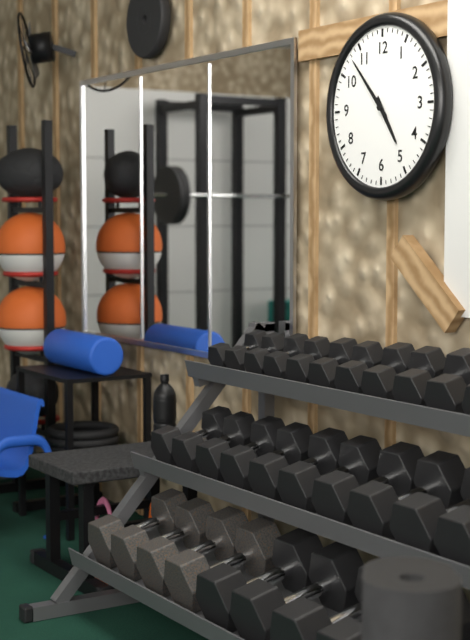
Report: 4.53
